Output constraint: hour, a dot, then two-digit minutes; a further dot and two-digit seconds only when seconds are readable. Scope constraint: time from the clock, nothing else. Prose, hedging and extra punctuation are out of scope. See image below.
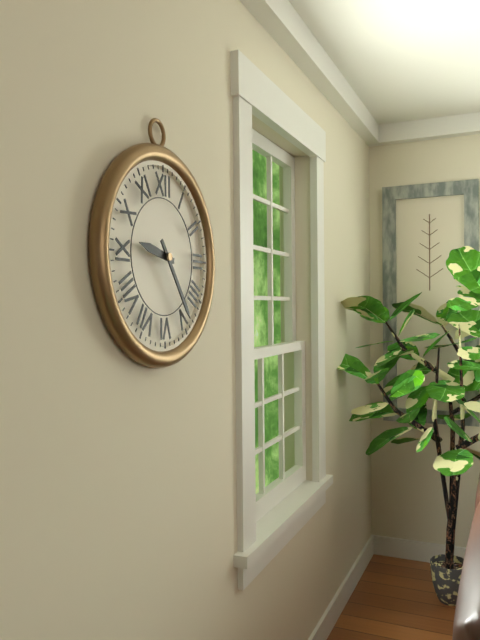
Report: 9.24
